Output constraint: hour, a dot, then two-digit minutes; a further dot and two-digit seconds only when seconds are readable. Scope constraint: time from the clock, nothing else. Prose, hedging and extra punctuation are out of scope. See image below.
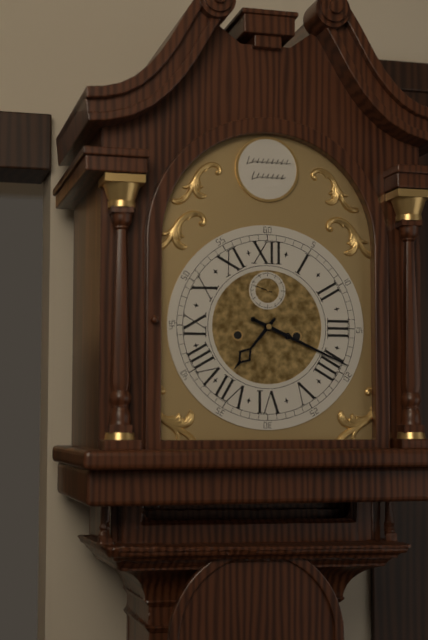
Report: 7.19
